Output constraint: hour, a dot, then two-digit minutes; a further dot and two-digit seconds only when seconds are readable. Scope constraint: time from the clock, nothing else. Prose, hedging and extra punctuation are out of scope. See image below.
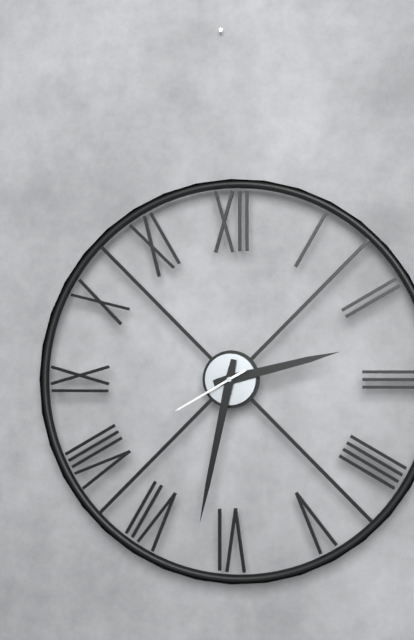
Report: 2.32.40
